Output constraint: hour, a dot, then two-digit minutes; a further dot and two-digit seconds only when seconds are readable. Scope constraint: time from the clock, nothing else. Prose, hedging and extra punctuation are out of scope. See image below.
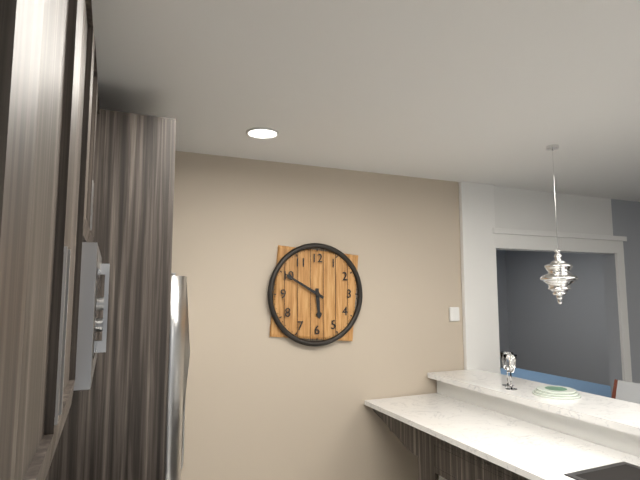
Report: 5.50
